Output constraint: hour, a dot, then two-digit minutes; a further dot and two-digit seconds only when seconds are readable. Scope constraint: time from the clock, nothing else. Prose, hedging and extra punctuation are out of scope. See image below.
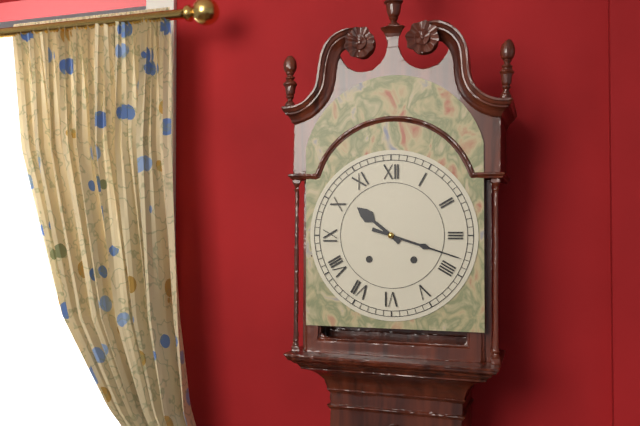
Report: 10.18
